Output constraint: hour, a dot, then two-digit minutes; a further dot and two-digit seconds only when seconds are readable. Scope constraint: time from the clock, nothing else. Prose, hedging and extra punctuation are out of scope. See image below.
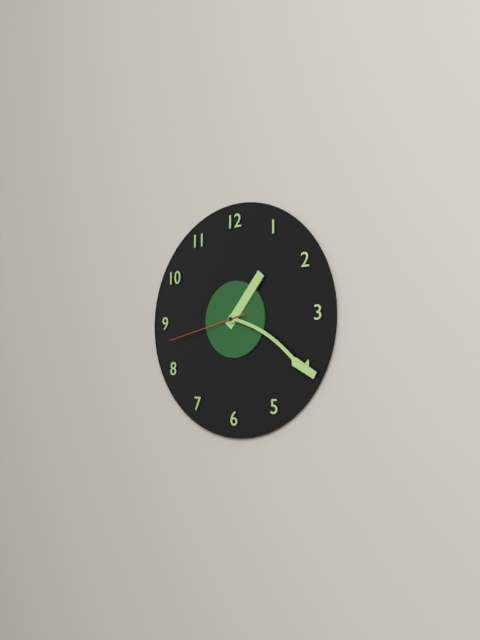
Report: 1.20.43
